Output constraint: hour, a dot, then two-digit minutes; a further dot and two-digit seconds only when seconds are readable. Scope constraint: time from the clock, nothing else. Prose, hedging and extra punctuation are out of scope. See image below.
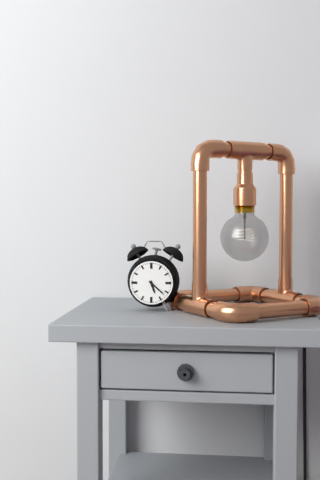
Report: 5.22
